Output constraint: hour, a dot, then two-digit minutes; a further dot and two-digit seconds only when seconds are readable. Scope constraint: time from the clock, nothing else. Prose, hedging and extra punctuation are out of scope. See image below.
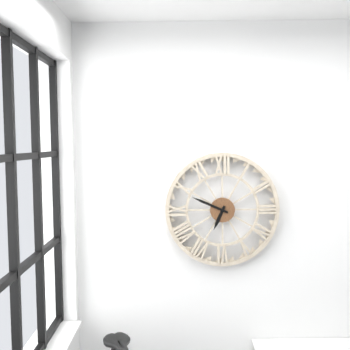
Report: 6.49
